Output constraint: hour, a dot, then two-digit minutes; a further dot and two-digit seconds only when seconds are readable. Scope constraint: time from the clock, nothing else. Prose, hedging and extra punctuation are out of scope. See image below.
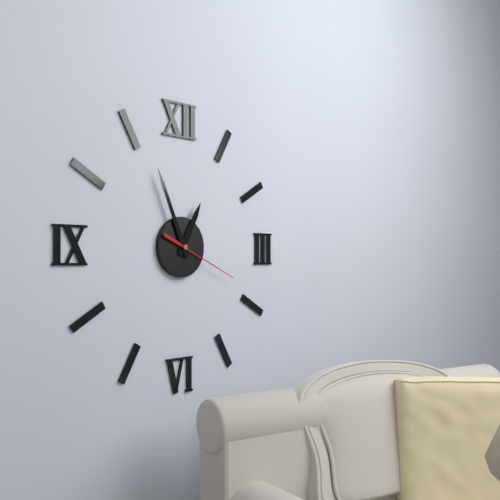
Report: 12.56.19
